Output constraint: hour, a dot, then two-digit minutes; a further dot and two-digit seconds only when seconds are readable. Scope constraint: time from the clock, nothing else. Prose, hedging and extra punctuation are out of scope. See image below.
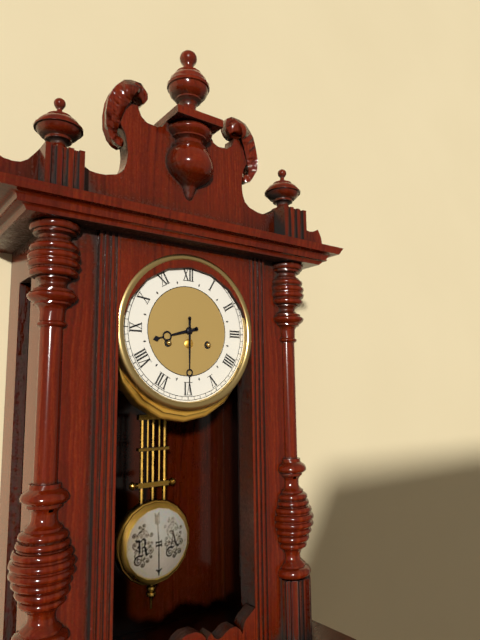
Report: 8.30
